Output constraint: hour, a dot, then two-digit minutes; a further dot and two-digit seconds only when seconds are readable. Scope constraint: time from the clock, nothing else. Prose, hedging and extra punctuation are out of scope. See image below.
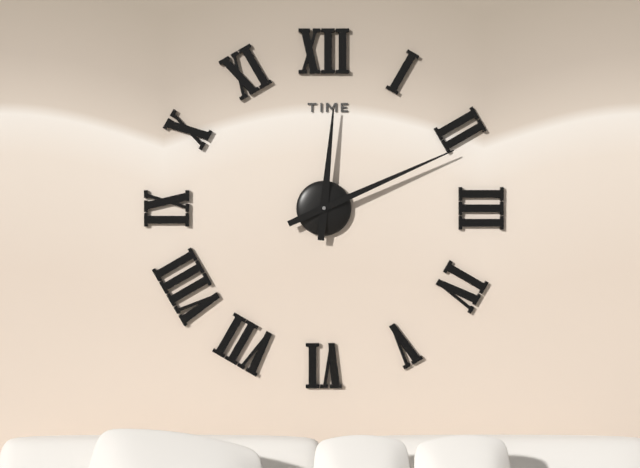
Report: 12.11
